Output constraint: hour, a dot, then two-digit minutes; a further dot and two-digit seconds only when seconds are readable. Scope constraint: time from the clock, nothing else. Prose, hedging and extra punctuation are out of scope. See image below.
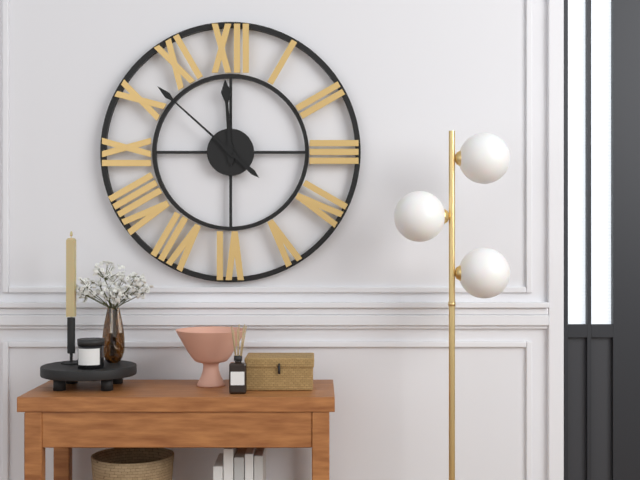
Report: 11.52
